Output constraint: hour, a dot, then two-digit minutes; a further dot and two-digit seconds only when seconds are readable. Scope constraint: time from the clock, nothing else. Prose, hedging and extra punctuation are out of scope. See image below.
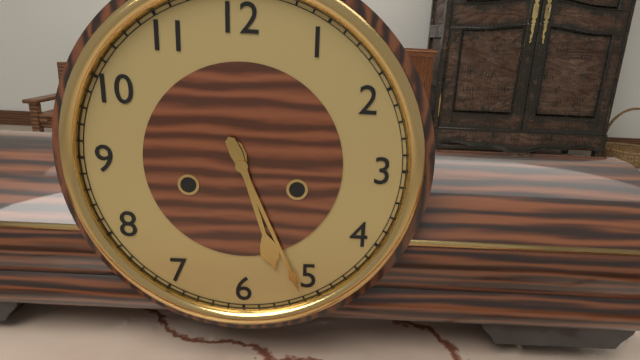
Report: 5.26
